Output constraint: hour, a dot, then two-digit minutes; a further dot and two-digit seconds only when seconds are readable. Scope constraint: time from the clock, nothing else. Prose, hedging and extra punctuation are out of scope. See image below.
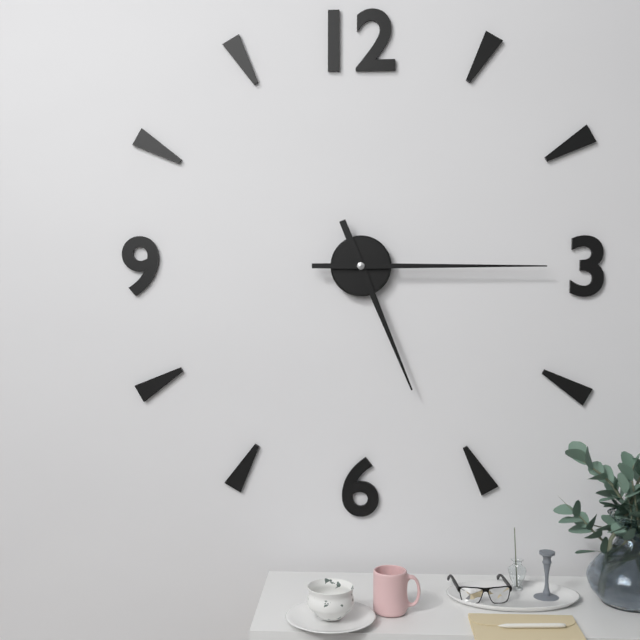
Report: 5.15
